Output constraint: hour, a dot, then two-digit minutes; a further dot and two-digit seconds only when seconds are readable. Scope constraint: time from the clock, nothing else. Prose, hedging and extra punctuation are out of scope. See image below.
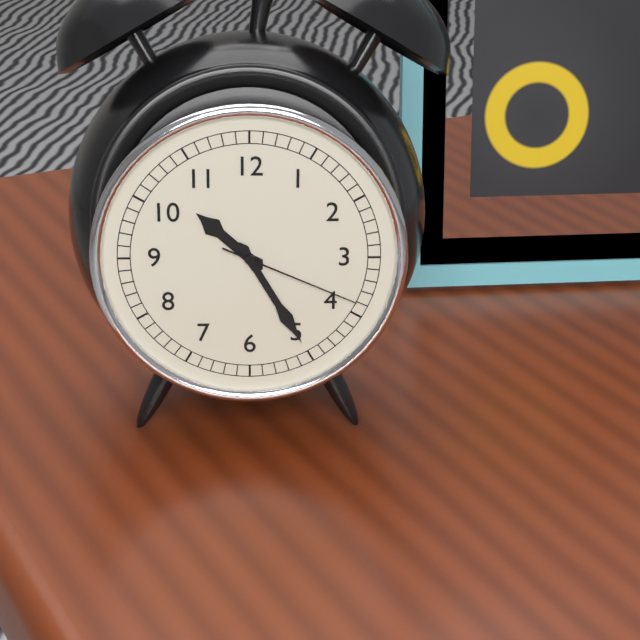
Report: 10.25.19
